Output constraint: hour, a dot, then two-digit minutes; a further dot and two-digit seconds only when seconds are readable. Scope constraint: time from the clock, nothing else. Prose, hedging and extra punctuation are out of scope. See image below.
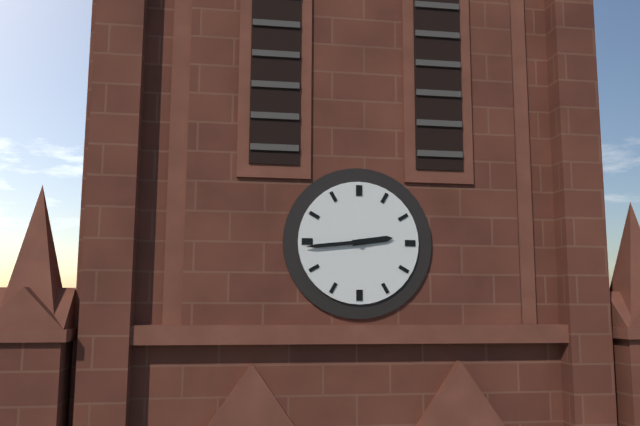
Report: 2.44
